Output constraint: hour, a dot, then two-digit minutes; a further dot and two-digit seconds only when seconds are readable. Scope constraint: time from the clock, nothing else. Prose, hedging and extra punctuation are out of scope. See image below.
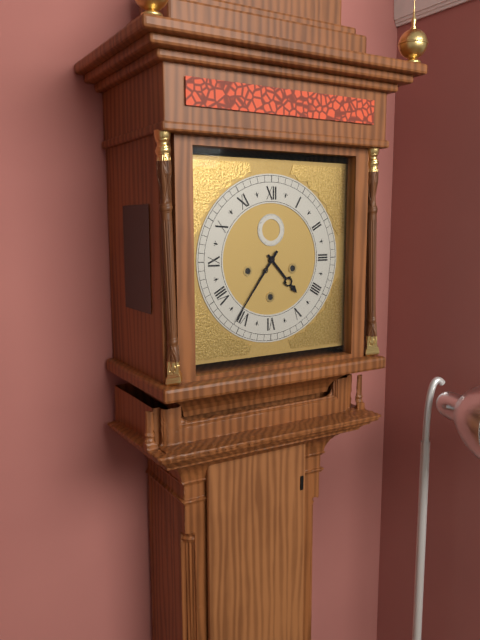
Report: 4.36
